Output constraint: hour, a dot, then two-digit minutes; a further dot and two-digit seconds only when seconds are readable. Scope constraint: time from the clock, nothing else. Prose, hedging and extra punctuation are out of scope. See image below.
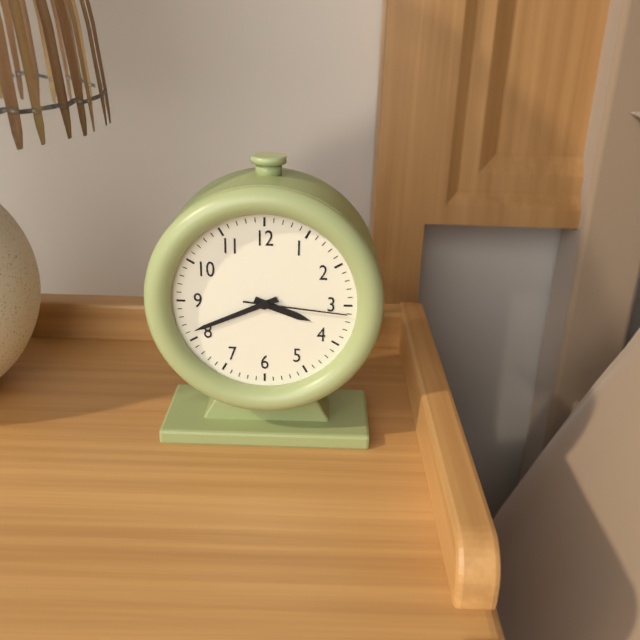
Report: 3.41.16
